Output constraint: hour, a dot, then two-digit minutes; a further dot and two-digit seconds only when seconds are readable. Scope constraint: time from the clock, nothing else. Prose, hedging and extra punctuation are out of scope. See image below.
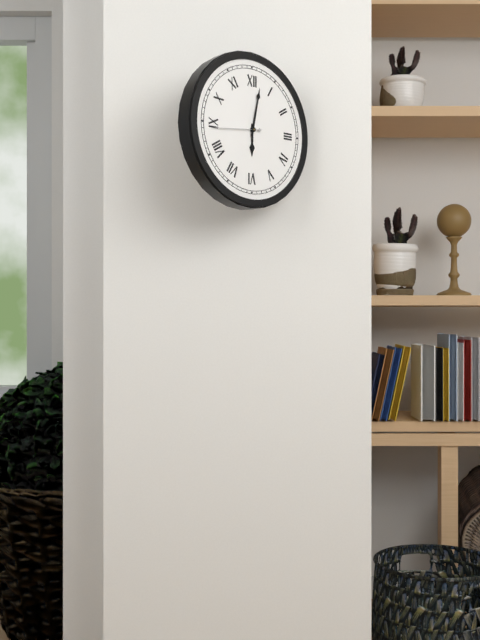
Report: 6.02
